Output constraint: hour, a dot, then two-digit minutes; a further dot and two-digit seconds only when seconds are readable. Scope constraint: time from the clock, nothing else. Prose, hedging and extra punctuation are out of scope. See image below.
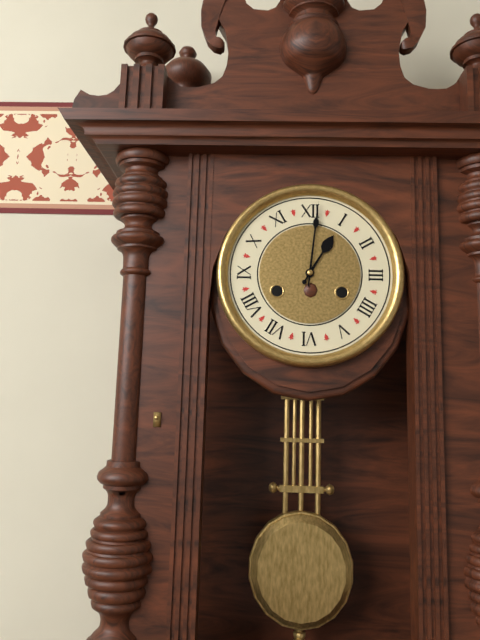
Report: 1.01
